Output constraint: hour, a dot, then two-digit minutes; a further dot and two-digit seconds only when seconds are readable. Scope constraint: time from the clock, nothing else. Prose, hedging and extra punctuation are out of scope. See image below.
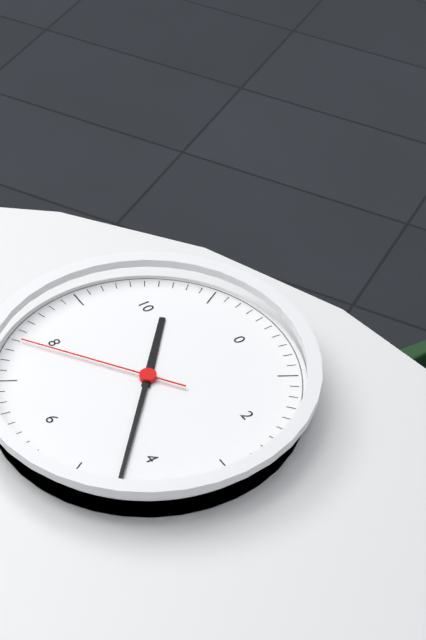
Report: 10.22.39
